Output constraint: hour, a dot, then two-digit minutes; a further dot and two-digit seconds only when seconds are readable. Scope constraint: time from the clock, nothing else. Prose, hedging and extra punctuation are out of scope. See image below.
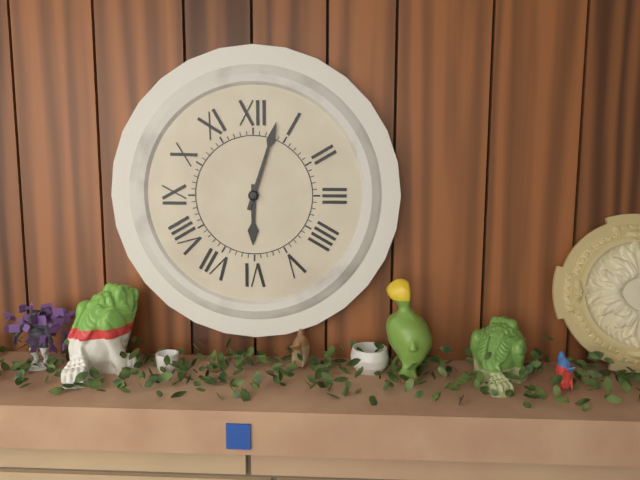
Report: 6.03
